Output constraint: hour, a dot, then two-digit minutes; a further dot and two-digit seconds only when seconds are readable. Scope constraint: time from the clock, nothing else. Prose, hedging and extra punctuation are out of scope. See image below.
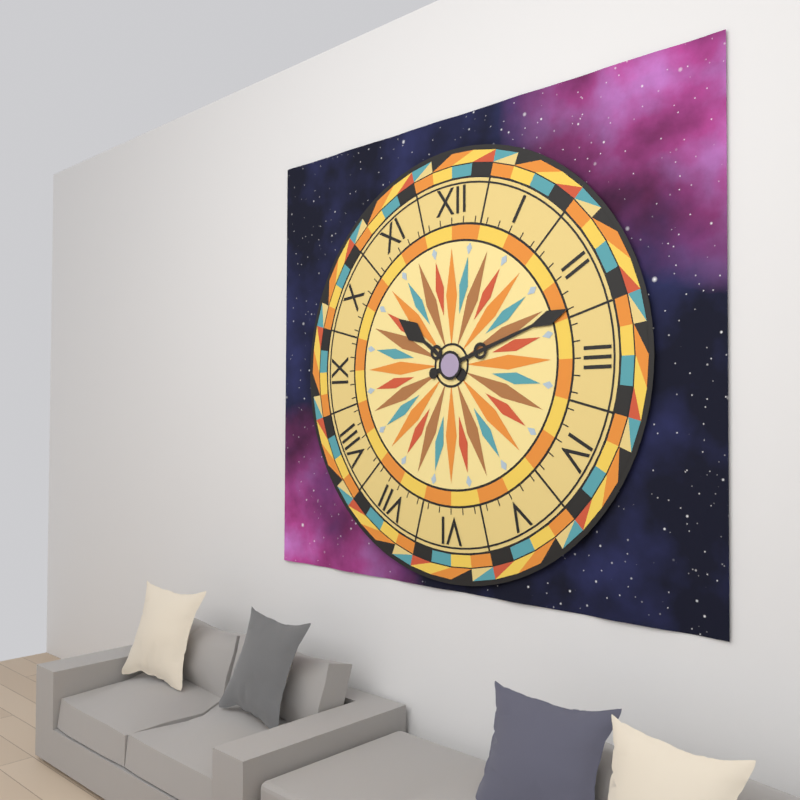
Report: 10.12
